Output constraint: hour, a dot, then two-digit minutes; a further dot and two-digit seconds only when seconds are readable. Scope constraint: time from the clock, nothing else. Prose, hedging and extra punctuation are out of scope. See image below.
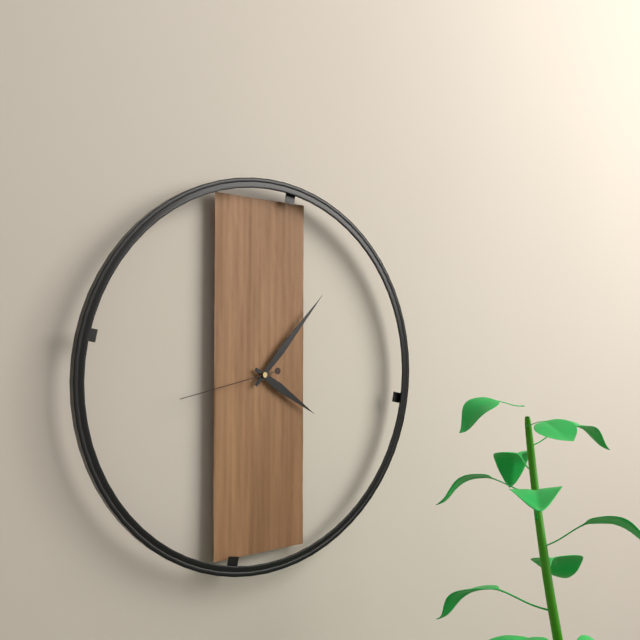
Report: 4.07.43
